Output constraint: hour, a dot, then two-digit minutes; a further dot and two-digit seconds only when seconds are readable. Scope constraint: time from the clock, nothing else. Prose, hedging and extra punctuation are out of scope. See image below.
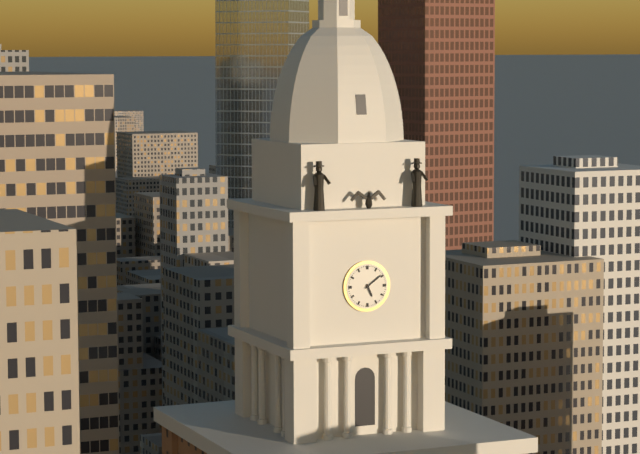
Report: 5.09
